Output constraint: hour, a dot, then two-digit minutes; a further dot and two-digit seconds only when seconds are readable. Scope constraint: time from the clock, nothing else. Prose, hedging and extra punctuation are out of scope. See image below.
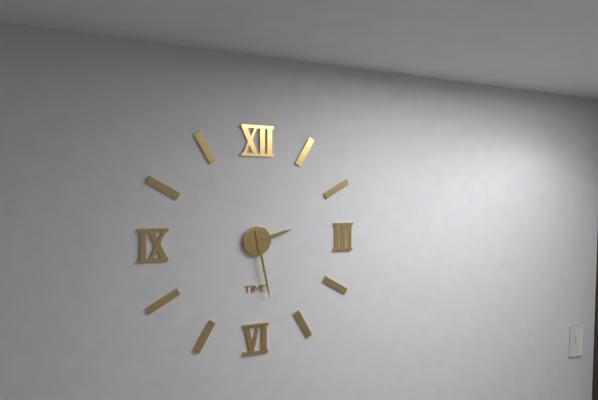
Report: 2.28
